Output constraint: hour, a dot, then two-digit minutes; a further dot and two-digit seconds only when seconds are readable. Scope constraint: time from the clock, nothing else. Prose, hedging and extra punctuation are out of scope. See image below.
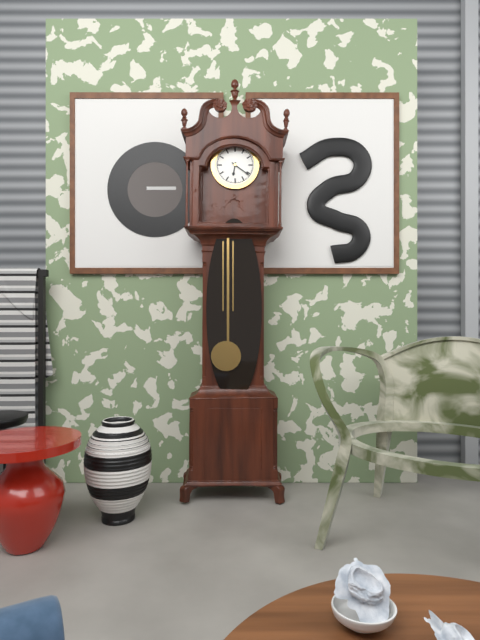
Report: 6.21
